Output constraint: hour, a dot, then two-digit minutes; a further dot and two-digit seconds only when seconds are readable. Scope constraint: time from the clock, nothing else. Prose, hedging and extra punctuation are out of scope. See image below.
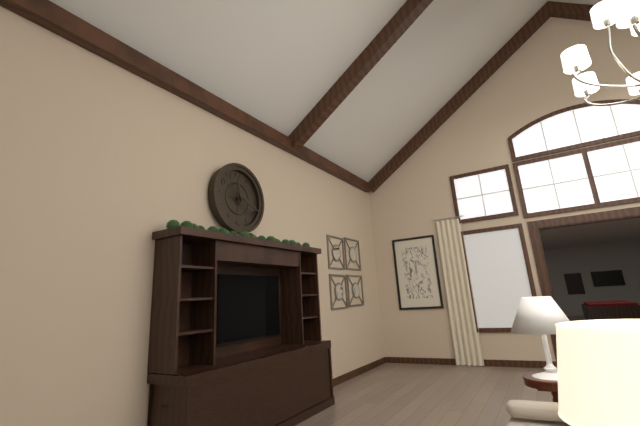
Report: 11.19
